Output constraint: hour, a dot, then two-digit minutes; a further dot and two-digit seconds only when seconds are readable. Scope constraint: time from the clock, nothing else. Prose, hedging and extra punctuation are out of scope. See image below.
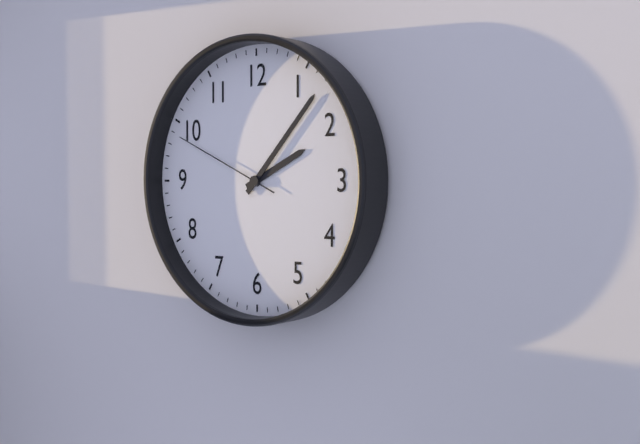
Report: 2.07.49
